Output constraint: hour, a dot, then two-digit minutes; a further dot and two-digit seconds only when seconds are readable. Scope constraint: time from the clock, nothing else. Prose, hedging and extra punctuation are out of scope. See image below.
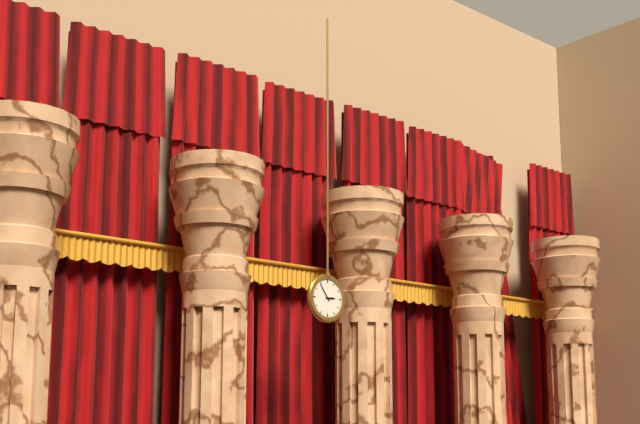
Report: 2.54
